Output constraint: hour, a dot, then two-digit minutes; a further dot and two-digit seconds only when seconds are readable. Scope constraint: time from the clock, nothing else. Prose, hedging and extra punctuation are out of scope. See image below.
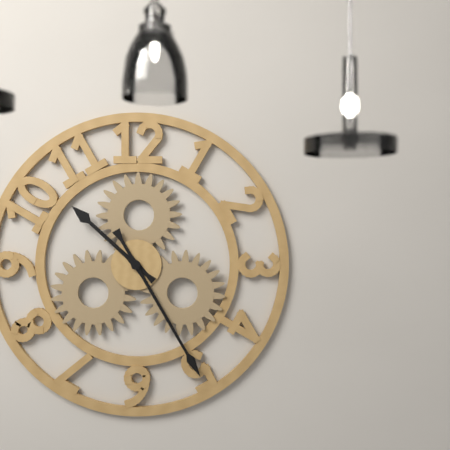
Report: 10.25
